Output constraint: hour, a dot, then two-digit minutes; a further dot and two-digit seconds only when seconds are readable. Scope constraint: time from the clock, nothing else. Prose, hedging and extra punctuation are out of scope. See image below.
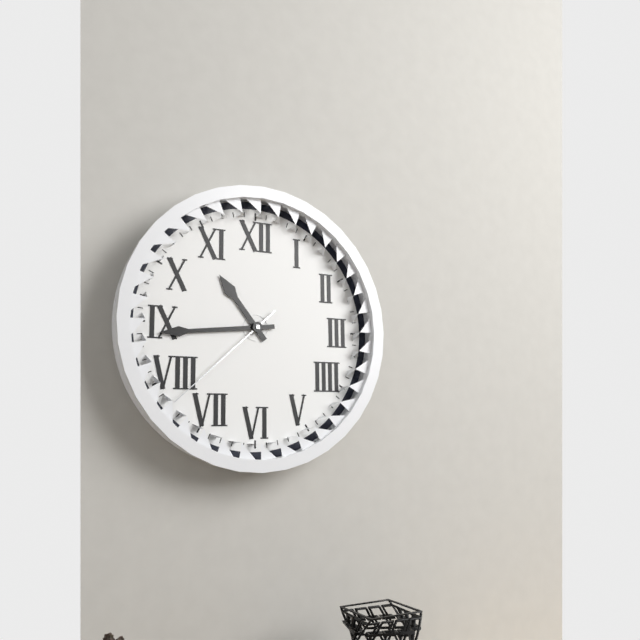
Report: 10.44.38
